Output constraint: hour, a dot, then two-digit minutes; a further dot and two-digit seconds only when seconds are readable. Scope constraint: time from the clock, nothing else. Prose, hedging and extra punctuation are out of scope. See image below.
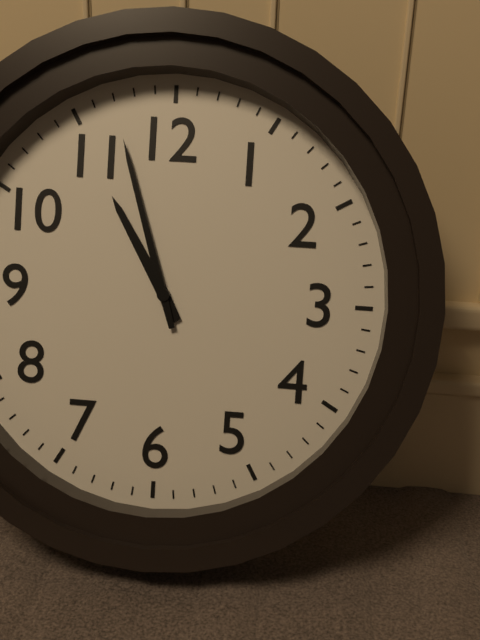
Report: 10.57
